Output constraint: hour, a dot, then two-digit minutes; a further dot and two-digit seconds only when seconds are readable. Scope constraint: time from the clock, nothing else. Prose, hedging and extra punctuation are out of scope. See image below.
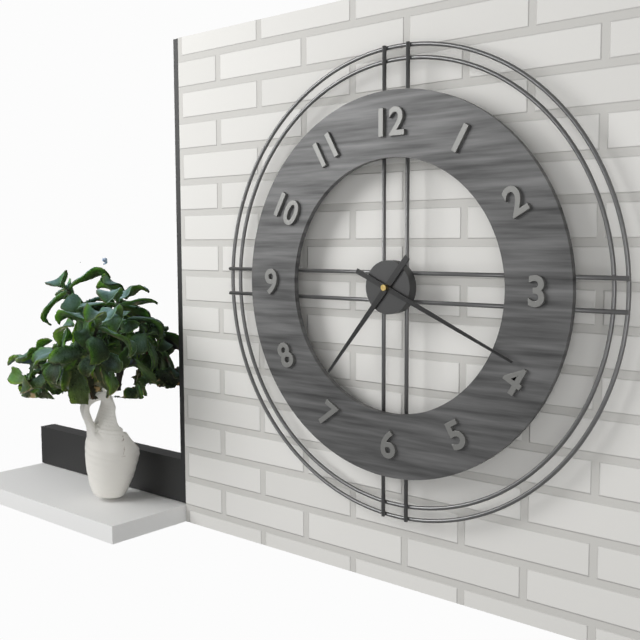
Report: 7.19
